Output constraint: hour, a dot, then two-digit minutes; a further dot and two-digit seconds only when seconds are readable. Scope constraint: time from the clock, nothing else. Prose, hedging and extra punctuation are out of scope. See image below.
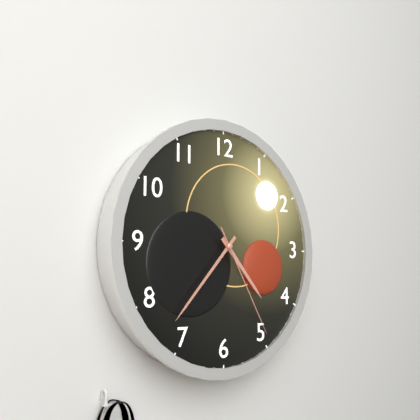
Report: 4.37.25
